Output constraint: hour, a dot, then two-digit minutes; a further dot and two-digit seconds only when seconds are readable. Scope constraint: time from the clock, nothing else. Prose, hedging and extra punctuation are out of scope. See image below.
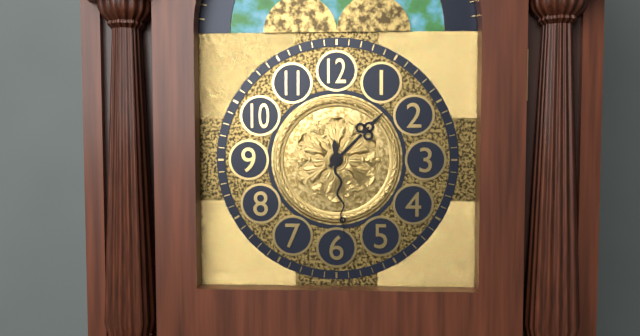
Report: 1.29
